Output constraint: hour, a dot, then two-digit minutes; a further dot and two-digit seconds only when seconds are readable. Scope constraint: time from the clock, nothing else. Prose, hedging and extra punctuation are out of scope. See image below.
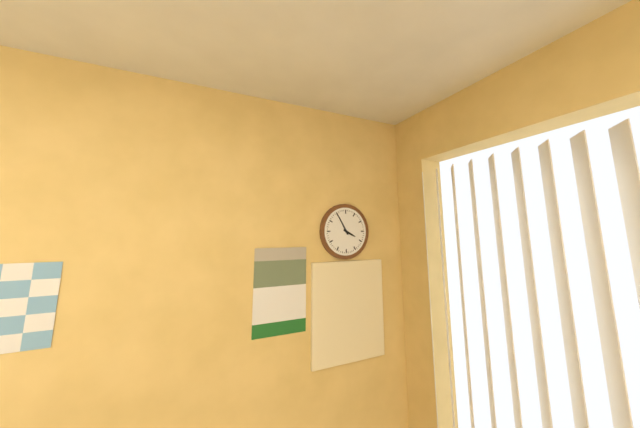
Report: 3.55
